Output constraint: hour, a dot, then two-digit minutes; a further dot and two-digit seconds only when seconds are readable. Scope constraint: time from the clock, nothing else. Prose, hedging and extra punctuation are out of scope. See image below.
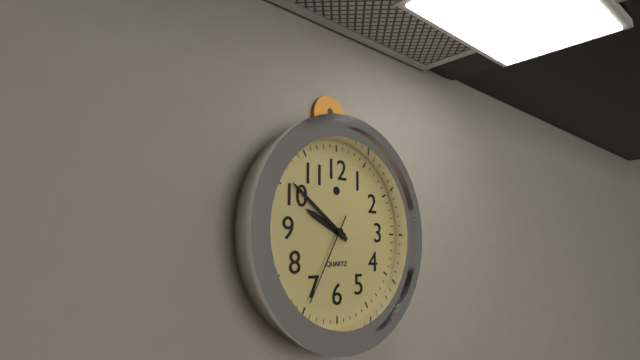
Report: 9.51.35
